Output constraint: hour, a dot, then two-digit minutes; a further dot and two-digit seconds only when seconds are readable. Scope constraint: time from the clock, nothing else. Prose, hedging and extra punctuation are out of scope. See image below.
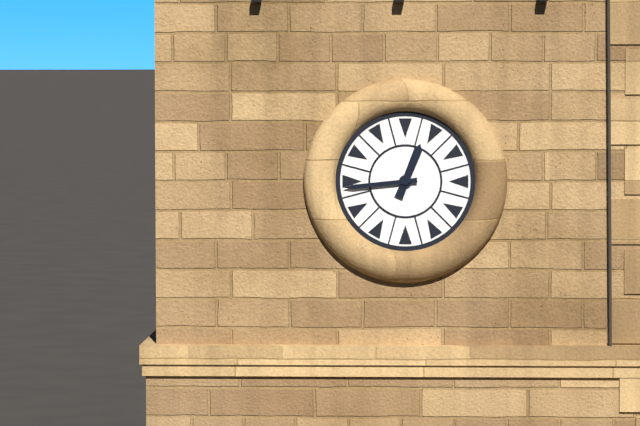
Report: 12.44
